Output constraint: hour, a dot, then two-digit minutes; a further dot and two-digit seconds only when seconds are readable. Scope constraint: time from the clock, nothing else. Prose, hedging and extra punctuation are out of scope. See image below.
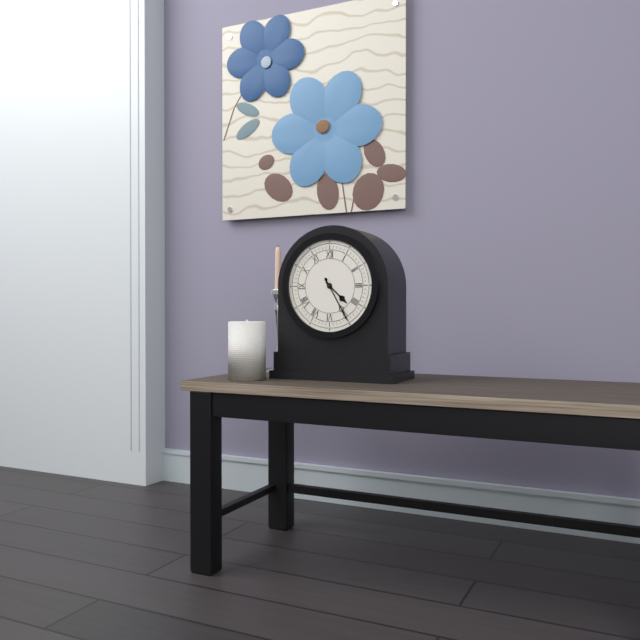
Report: 4.25
